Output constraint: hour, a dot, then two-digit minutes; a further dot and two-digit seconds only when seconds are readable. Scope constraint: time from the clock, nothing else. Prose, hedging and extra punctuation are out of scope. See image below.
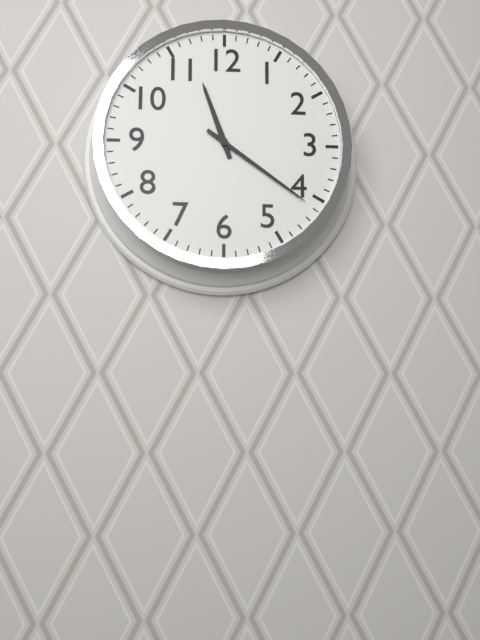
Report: 11.21
